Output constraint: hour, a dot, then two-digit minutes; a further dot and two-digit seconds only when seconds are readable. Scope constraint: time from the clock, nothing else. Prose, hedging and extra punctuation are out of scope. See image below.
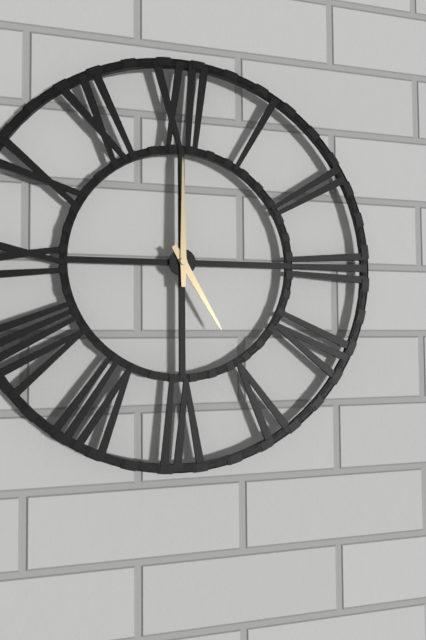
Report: 5.00
